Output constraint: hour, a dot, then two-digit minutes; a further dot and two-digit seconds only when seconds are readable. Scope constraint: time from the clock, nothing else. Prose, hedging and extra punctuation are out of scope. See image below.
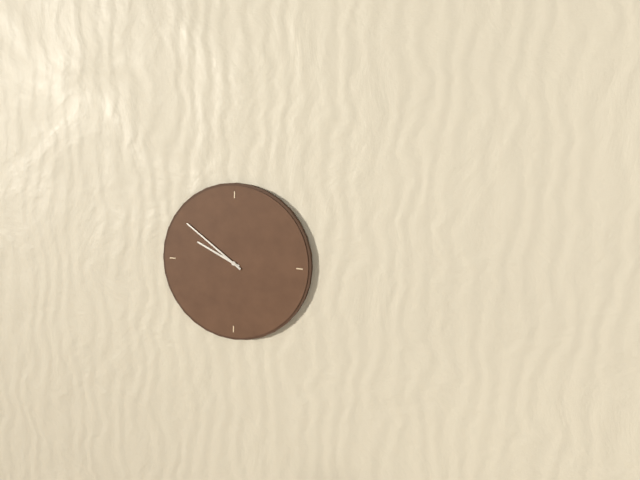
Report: 9.51
